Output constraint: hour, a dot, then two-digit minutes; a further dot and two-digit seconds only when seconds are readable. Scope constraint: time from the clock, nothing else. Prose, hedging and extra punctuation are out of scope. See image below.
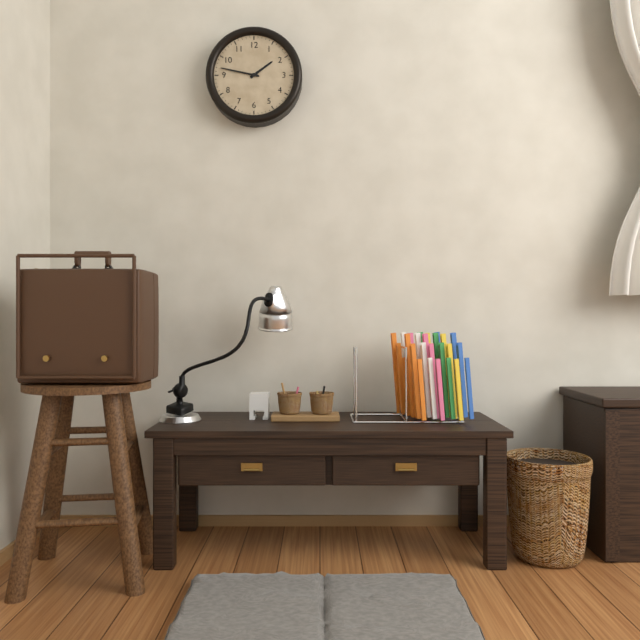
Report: 1.47
